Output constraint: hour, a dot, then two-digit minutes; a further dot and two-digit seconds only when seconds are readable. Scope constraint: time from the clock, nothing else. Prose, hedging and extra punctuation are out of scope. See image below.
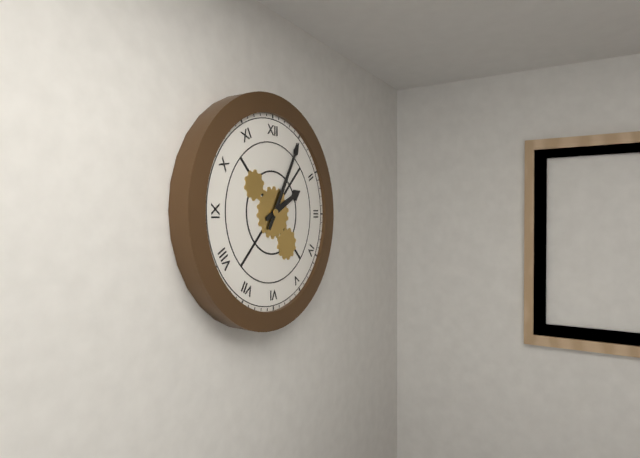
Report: 2.05
